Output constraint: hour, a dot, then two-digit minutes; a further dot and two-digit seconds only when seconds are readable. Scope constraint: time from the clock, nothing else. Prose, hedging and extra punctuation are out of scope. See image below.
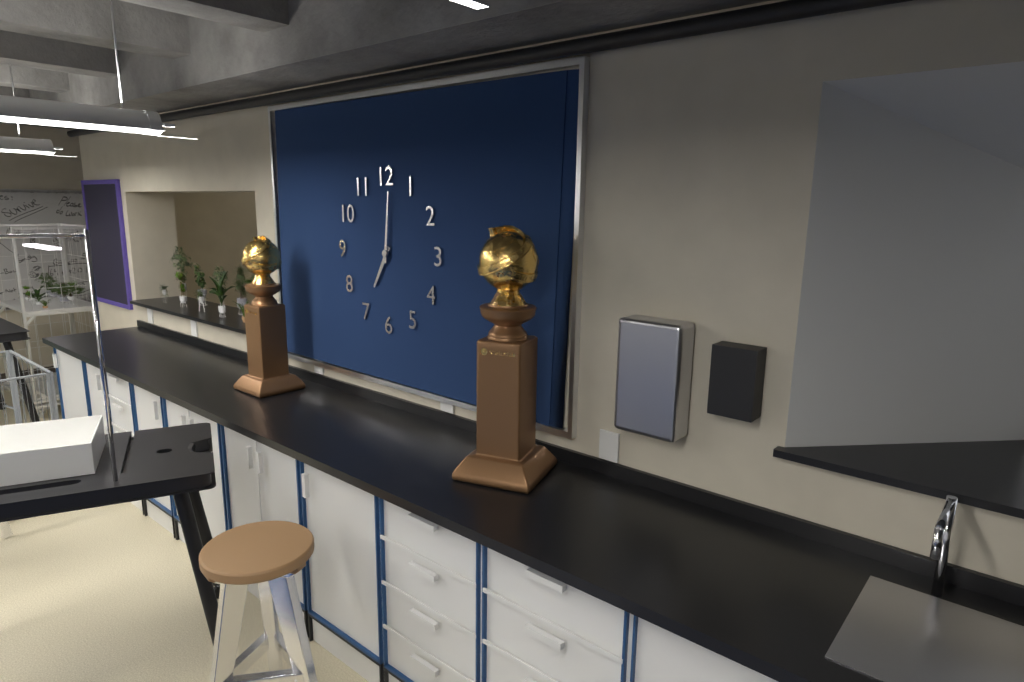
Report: 7.01
